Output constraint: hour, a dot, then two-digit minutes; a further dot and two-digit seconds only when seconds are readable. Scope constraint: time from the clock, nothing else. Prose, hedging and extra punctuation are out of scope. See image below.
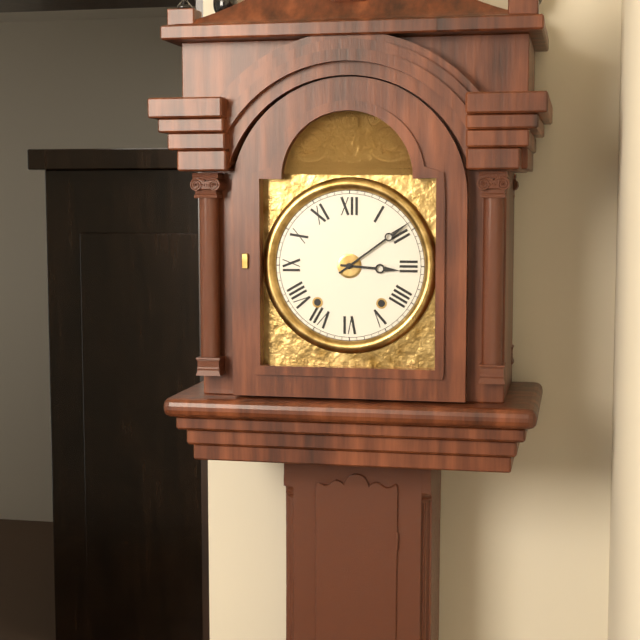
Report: 3.09
